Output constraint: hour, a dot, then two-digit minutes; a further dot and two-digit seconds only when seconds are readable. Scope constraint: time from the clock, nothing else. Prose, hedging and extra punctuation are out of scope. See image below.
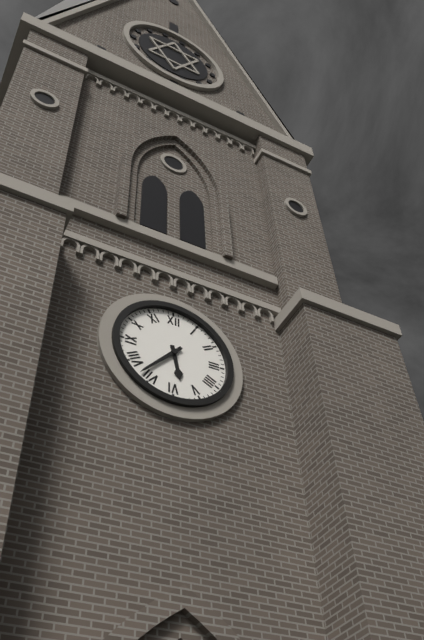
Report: 5.37
